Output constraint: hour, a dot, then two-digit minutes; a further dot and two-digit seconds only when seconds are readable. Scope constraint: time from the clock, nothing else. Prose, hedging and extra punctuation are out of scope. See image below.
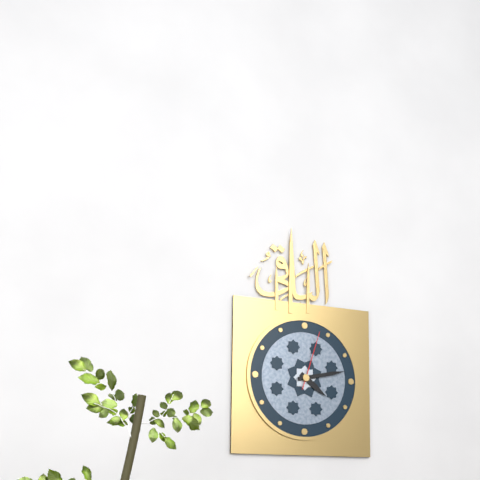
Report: 4.13.03
